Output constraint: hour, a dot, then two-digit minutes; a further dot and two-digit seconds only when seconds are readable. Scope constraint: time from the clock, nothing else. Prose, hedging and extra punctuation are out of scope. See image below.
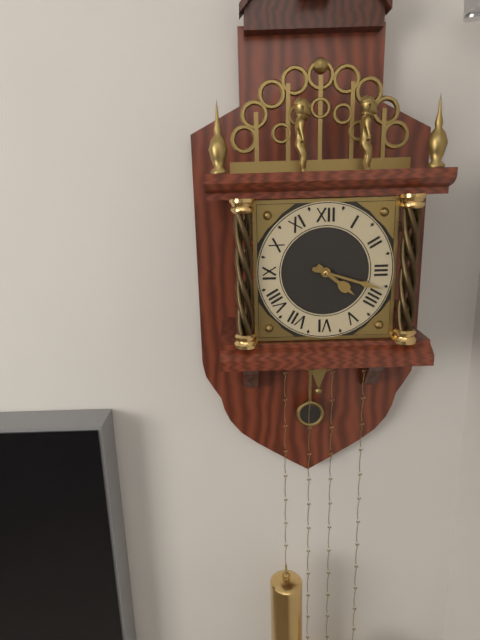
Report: 4.18
